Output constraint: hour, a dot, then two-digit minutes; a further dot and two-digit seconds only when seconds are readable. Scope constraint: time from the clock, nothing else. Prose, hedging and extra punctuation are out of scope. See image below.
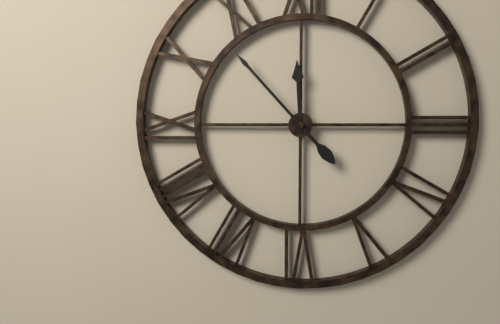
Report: 11.53
